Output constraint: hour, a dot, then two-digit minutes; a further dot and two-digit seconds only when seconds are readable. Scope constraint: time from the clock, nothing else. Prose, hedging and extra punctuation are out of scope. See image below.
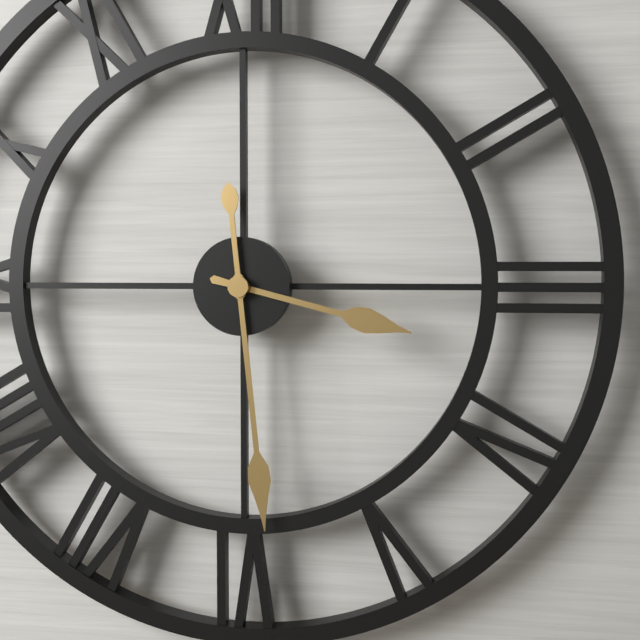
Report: 3.29
